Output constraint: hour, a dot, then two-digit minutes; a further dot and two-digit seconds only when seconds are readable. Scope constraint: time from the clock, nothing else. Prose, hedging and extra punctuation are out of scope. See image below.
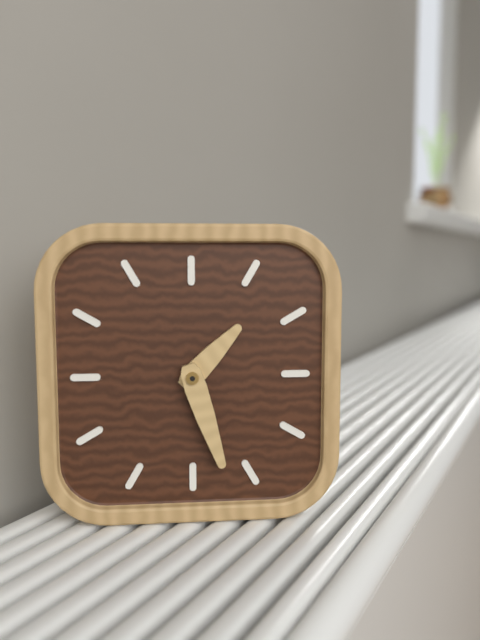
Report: 1.27
